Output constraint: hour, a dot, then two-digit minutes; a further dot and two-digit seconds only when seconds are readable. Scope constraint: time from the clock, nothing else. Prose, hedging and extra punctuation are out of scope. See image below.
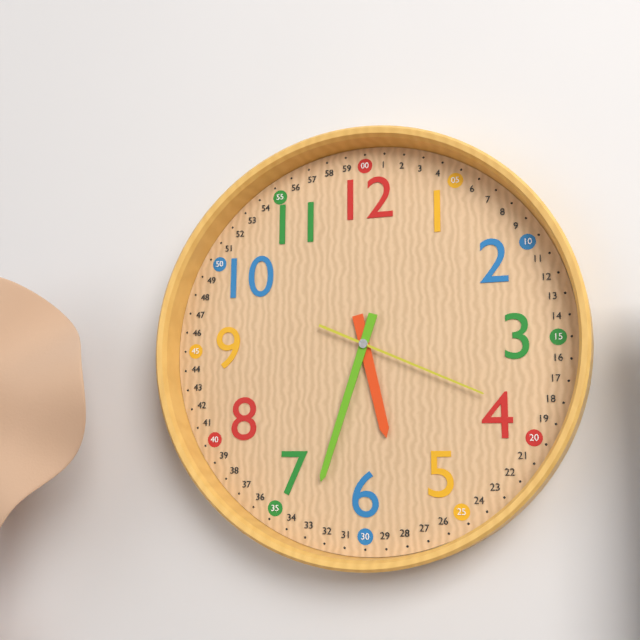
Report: 5.33.19
